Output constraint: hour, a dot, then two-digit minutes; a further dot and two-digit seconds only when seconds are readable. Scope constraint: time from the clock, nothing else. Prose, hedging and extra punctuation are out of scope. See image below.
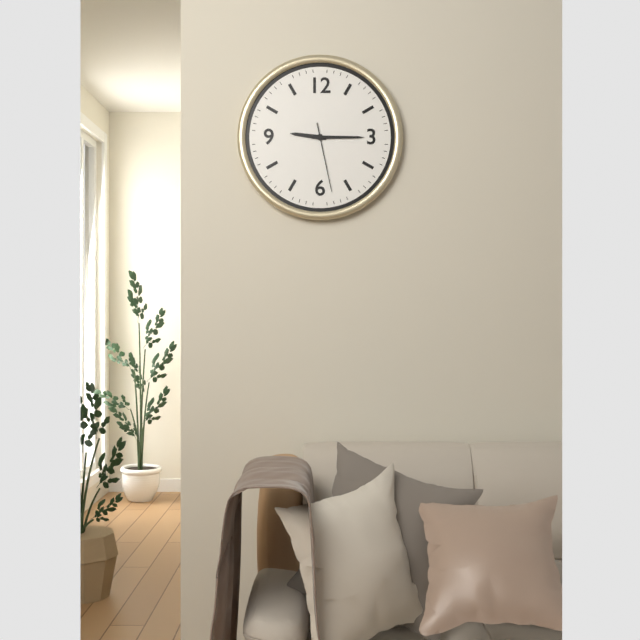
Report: 9.15.28
